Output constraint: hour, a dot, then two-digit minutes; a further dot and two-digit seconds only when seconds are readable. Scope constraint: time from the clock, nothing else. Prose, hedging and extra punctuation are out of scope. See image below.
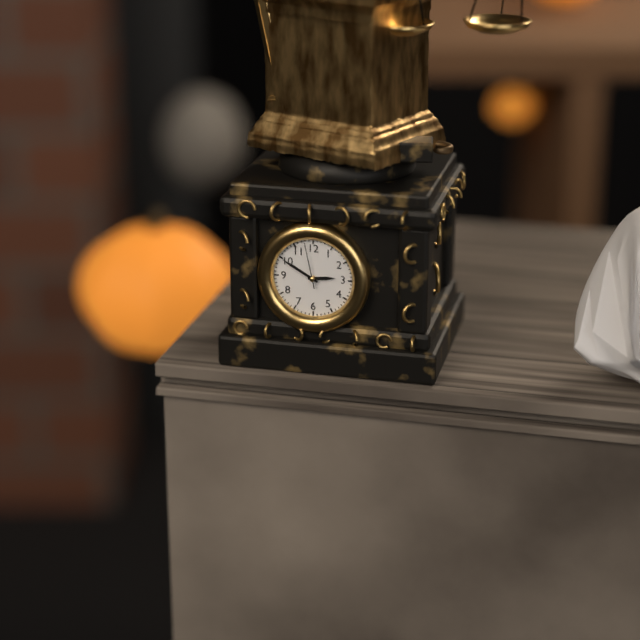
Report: 2.50
